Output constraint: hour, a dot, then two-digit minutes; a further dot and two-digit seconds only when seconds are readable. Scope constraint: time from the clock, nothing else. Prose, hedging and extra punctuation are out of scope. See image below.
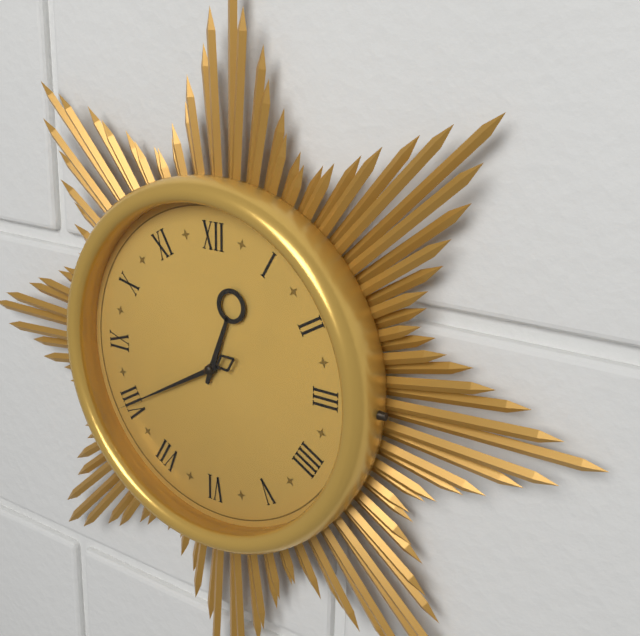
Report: 12.40
